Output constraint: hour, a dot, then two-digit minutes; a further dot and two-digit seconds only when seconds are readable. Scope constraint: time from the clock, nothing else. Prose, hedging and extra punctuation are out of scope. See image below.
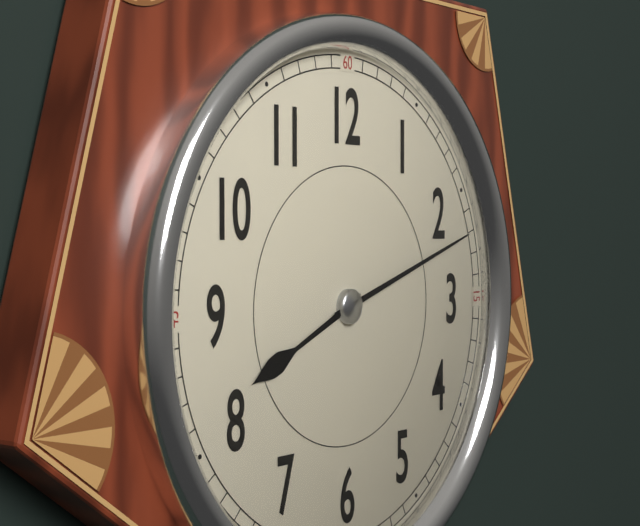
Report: 8.12
